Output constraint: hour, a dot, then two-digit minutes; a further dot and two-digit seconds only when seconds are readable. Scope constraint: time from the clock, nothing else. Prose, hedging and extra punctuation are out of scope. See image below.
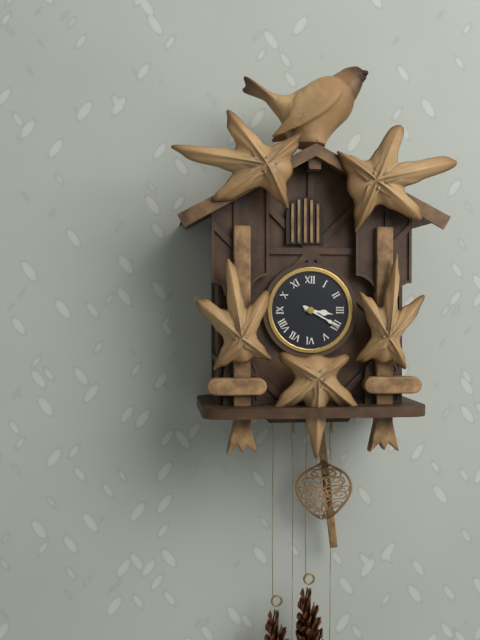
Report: 3.20
